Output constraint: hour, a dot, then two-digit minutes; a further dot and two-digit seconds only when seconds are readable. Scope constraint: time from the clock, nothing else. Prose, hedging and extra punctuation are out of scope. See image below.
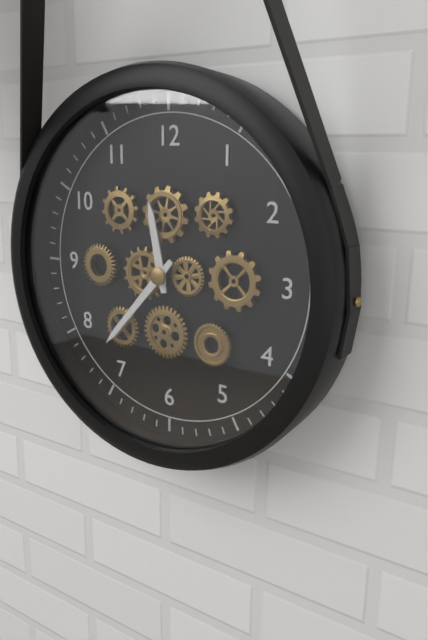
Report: 11.37
